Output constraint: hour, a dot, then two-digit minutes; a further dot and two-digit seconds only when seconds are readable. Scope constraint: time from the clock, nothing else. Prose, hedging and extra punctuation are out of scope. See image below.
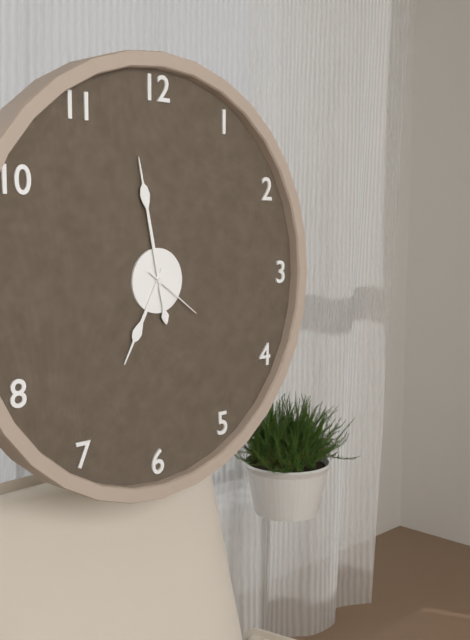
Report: 6.58.21
